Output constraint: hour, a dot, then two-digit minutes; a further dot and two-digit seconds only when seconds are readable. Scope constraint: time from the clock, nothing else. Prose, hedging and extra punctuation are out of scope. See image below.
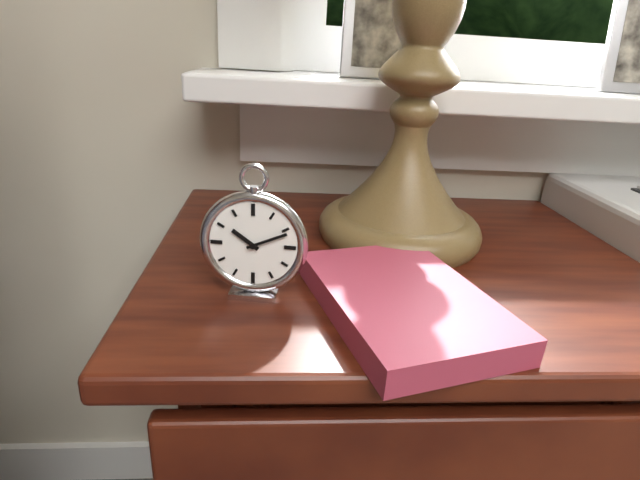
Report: 10.11
